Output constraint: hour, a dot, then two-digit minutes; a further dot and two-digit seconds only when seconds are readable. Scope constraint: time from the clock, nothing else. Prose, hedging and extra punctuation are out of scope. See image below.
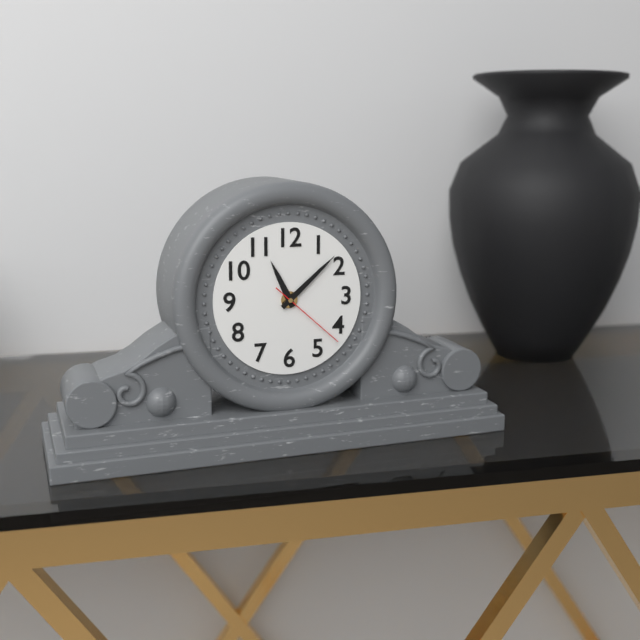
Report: 11.08.22
